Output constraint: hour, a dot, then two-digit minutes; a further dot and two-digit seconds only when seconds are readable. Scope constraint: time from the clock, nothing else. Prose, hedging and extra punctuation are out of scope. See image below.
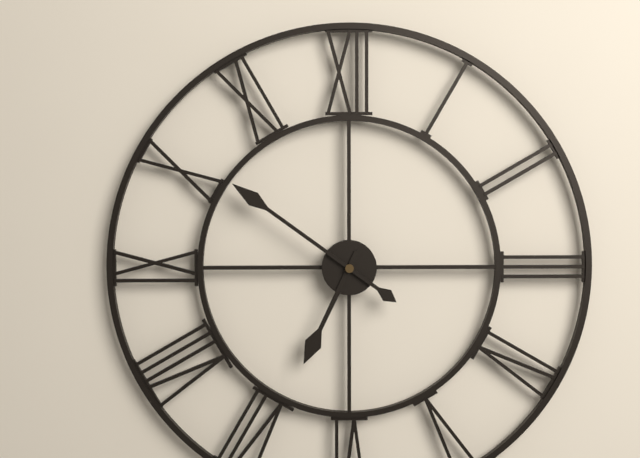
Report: 6.51
